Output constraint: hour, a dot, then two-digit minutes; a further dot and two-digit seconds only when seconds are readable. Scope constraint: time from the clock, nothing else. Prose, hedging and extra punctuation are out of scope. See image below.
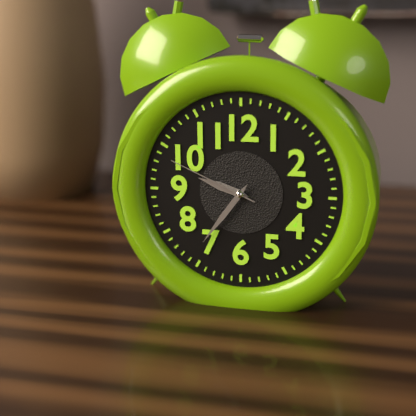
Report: 9.36.49
